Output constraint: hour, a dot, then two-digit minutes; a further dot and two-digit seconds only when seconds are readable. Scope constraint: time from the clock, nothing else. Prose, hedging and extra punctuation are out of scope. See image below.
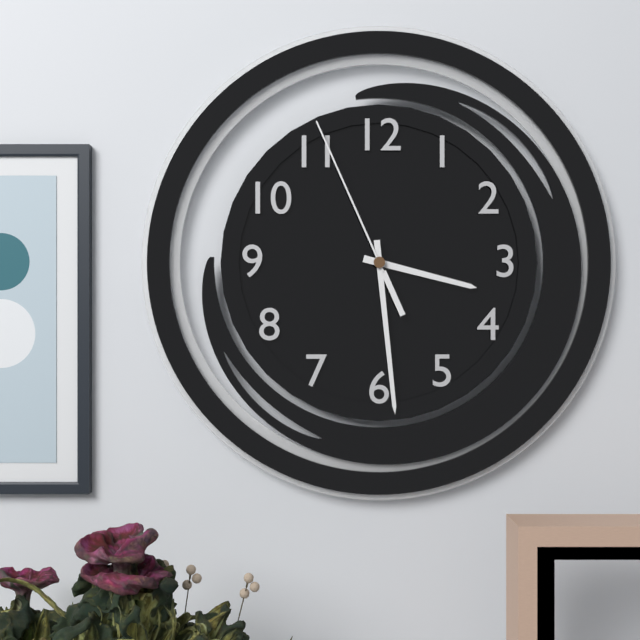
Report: 3.29.56
